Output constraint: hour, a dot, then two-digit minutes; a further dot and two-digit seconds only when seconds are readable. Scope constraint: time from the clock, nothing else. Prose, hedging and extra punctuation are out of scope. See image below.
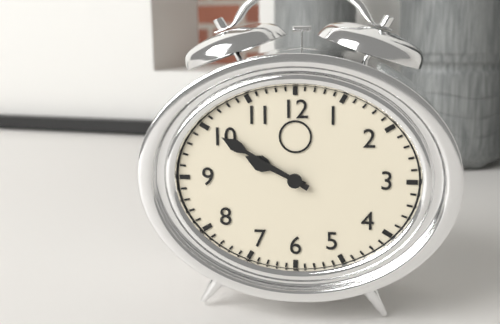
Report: 9.50
